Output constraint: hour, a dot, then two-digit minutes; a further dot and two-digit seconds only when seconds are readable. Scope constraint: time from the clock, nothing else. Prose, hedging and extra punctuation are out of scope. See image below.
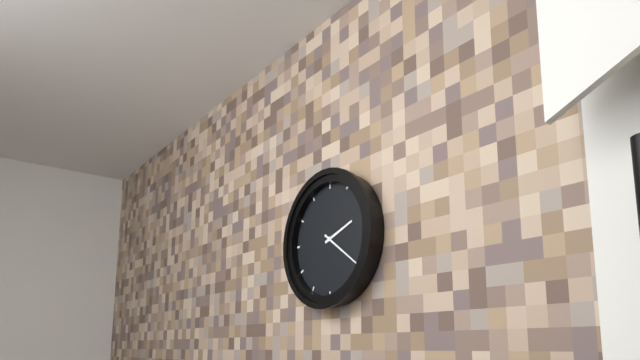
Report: 2.21
